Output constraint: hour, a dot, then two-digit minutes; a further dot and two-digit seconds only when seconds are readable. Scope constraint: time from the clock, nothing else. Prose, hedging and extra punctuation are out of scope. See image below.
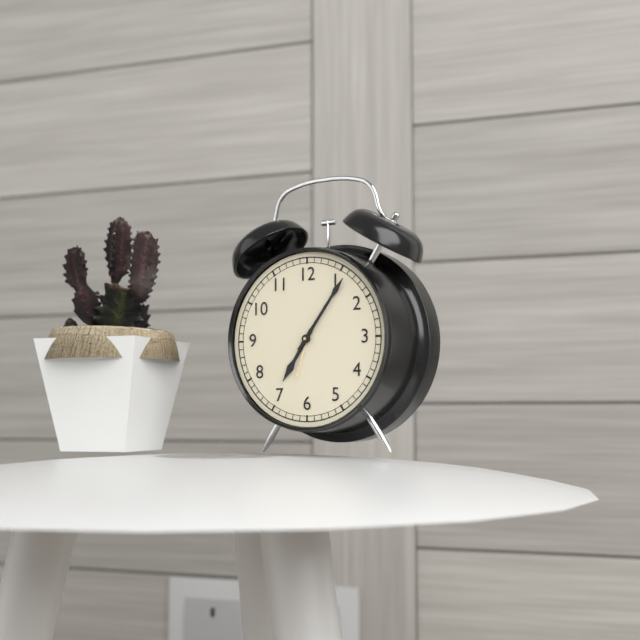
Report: 7.06
